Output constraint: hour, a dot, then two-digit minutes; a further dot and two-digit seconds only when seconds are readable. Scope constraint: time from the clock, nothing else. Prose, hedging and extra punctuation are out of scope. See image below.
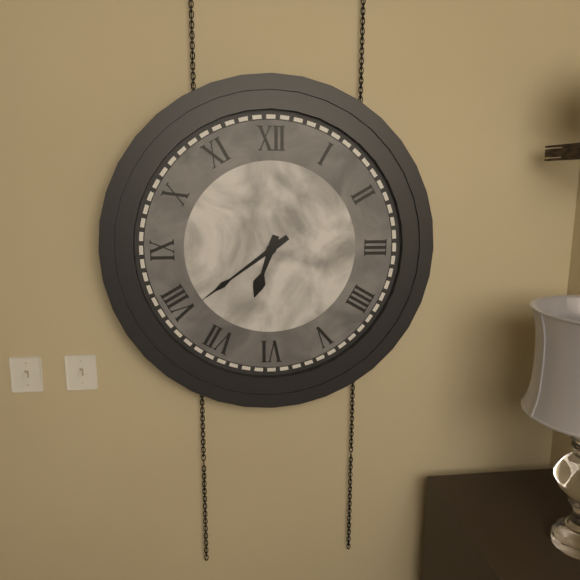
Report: 6.39
